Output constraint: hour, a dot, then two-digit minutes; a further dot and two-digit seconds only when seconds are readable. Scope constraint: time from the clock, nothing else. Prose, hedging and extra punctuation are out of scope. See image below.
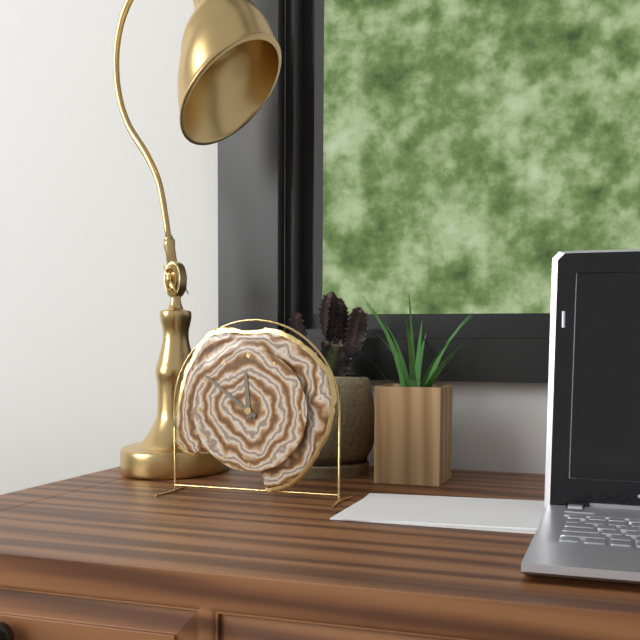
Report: 11.51
